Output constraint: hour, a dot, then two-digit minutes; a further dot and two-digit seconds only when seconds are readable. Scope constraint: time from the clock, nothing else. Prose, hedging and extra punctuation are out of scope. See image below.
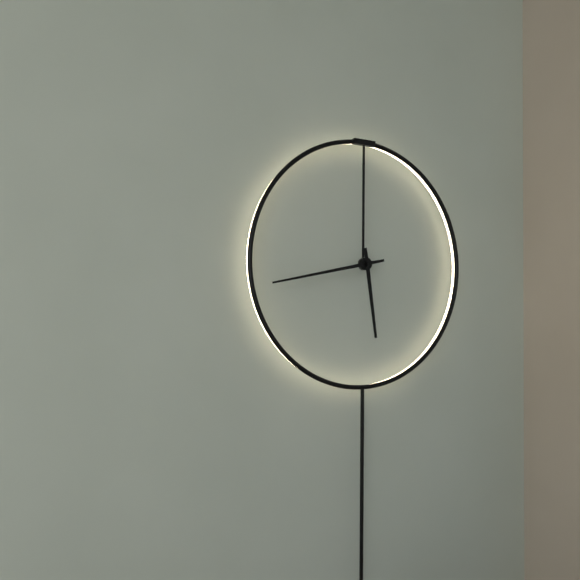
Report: 5.43
